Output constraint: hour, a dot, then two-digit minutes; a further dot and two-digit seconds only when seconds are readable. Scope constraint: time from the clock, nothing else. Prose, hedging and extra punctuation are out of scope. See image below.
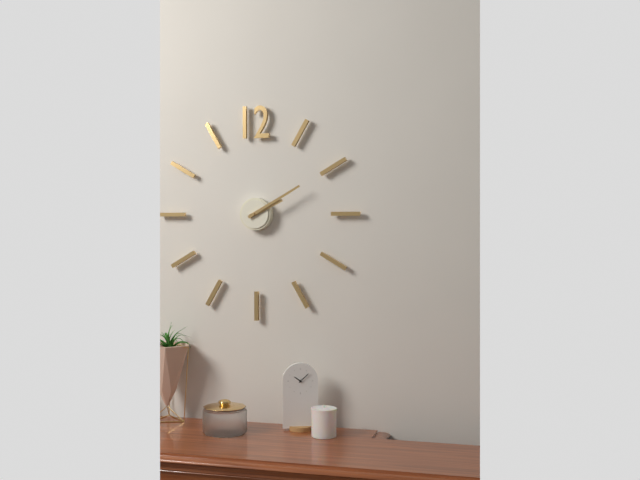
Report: 2.10
